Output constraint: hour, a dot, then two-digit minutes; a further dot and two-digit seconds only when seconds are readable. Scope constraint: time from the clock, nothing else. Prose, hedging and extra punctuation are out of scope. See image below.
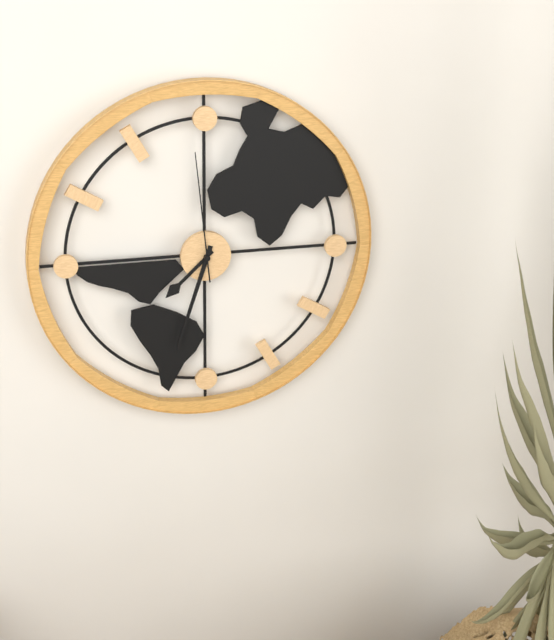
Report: 7.33.59
